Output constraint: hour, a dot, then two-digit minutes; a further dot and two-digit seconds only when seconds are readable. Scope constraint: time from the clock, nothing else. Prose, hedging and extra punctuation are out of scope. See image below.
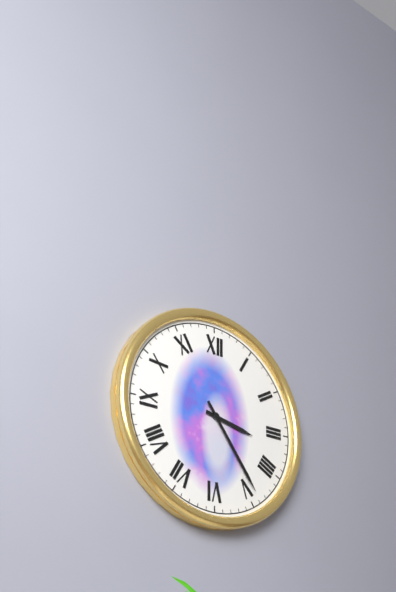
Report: 3.24
